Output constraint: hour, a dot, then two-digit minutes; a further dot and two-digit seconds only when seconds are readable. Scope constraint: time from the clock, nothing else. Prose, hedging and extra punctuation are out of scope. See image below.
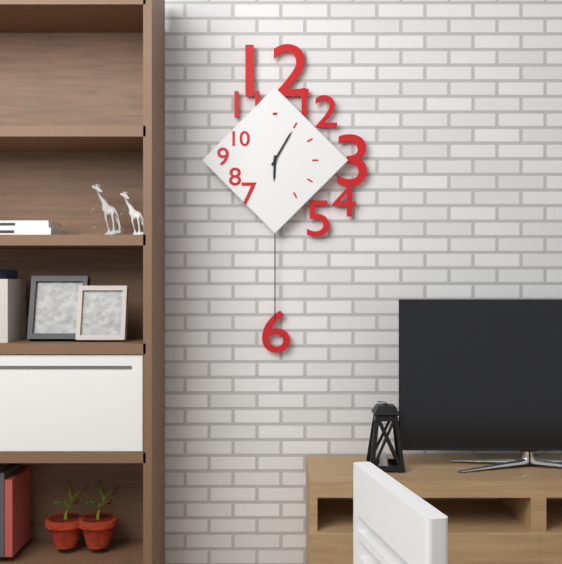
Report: 6.05
